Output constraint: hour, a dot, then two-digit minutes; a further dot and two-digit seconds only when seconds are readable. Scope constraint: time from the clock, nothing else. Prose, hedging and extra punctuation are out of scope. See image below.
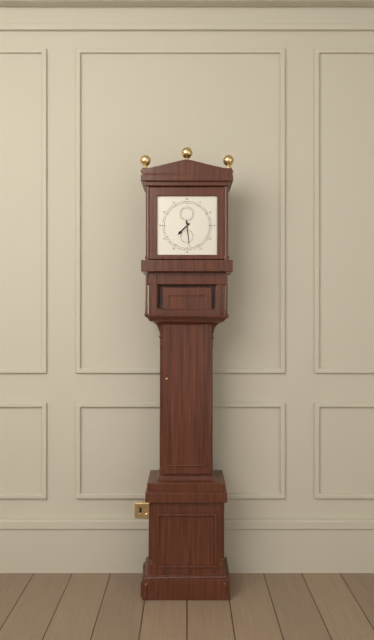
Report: 7.29
